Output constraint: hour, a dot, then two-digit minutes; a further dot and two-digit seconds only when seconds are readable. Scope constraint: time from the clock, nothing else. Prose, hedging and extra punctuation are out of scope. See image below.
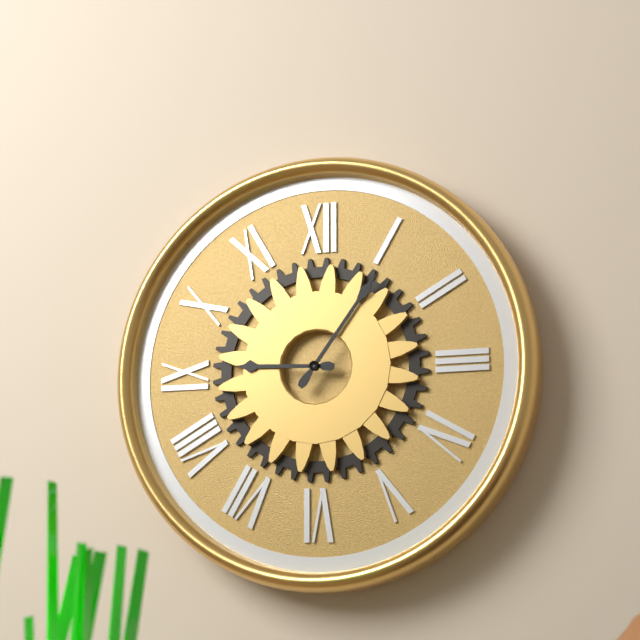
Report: 9.06
